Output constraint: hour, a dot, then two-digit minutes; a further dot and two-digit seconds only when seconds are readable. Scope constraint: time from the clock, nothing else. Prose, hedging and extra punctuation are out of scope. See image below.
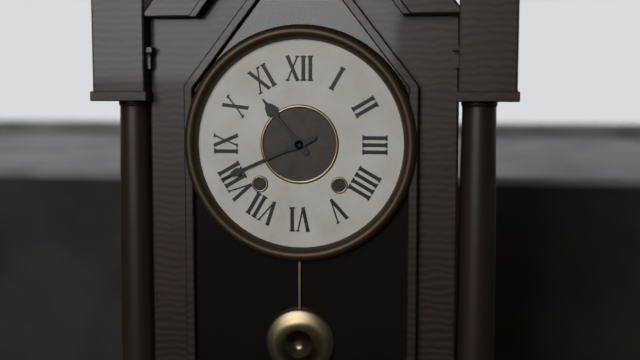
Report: 10.41
